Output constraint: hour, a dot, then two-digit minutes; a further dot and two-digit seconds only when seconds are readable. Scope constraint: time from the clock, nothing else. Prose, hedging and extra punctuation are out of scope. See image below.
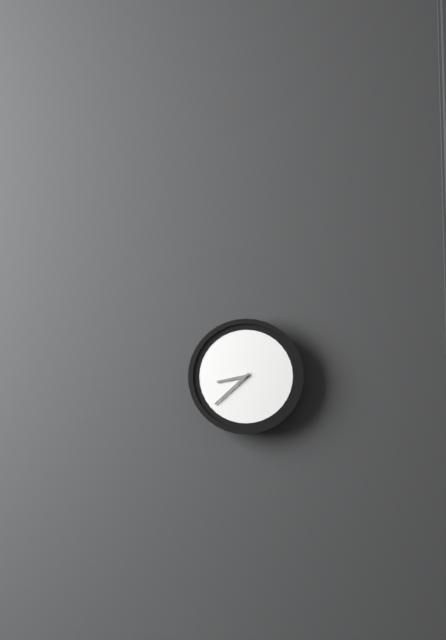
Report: 8.38
